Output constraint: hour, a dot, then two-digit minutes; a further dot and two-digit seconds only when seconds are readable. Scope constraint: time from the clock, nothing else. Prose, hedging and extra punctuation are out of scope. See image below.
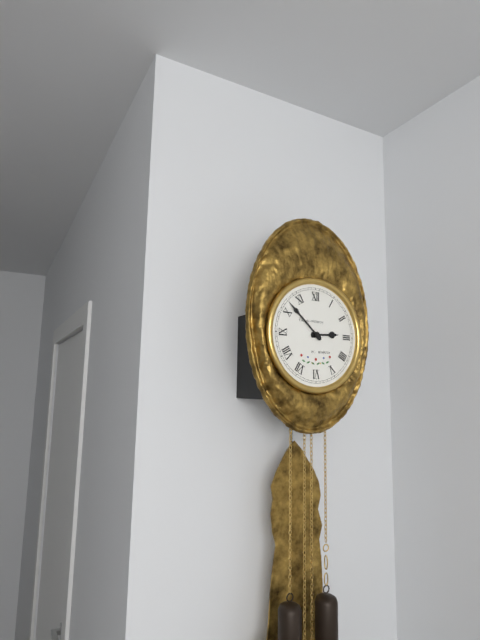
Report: 2.52
